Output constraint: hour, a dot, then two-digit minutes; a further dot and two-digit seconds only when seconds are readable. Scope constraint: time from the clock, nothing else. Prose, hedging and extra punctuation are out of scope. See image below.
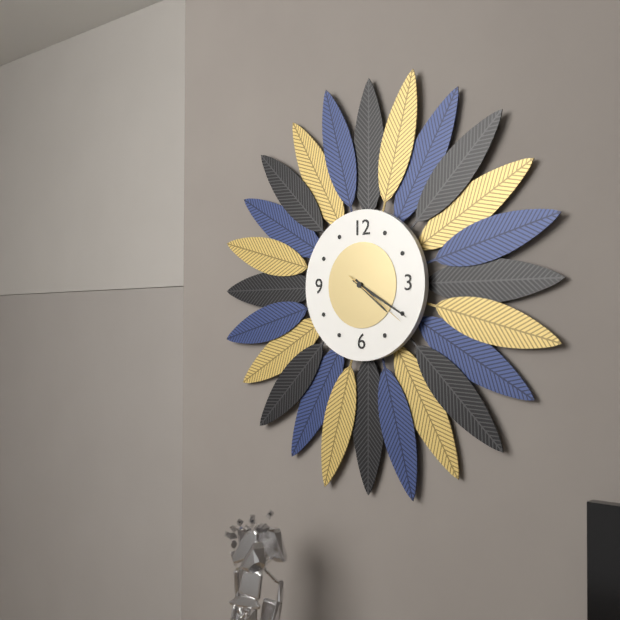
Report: 4.20.21
